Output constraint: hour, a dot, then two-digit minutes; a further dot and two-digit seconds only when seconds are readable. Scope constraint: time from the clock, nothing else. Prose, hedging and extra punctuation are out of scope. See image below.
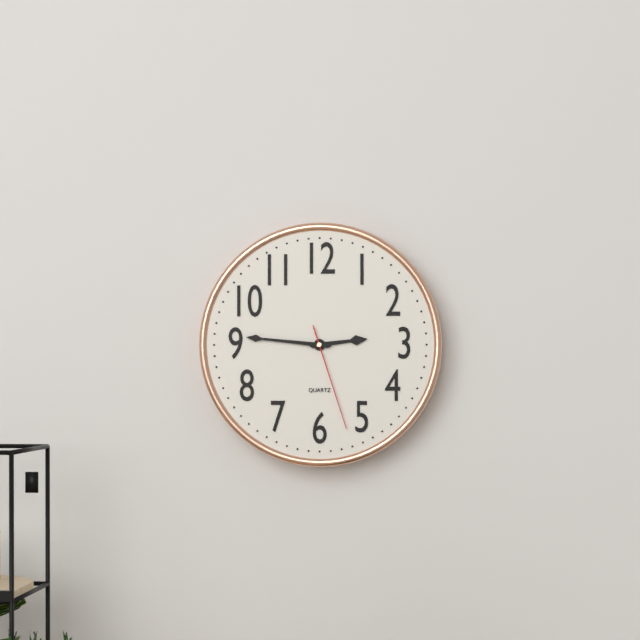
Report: 2.46.27
